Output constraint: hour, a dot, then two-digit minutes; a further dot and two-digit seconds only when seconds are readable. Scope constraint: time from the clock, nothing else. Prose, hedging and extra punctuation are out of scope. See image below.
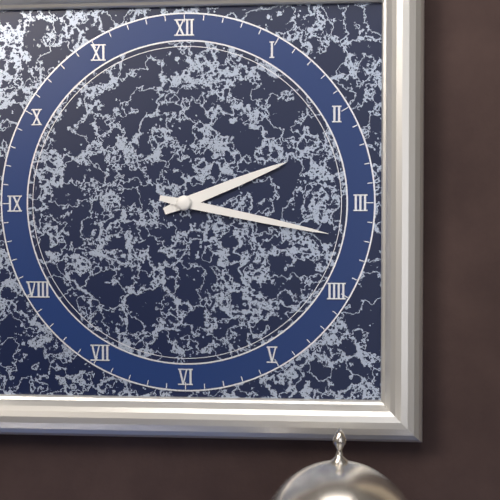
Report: 2.17
